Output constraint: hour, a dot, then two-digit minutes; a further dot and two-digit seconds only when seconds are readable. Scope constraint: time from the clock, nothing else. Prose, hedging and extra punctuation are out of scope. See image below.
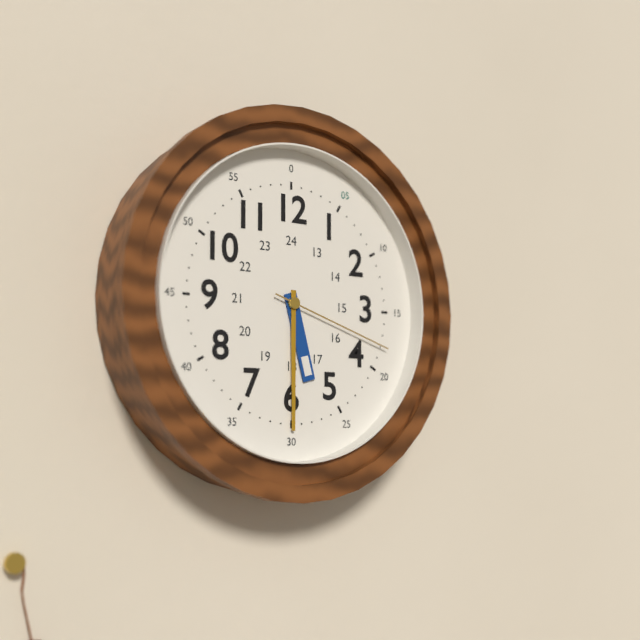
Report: 5.30.18
